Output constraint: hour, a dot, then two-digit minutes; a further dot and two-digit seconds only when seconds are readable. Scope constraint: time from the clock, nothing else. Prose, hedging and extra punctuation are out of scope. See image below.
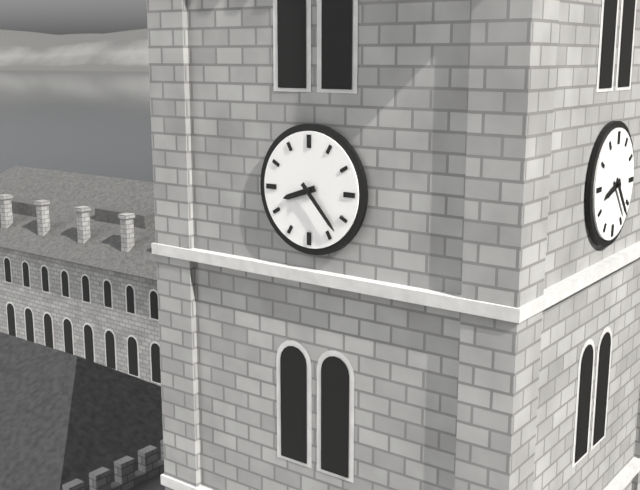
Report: 8.23
